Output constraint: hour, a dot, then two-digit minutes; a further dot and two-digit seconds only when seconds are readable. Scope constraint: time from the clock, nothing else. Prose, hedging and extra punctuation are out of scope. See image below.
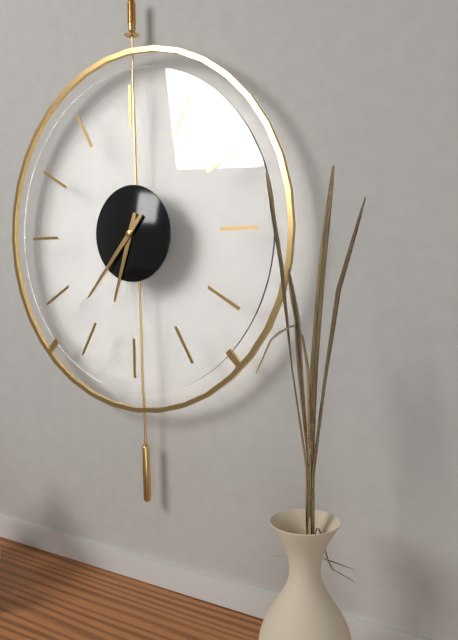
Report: 6.37
